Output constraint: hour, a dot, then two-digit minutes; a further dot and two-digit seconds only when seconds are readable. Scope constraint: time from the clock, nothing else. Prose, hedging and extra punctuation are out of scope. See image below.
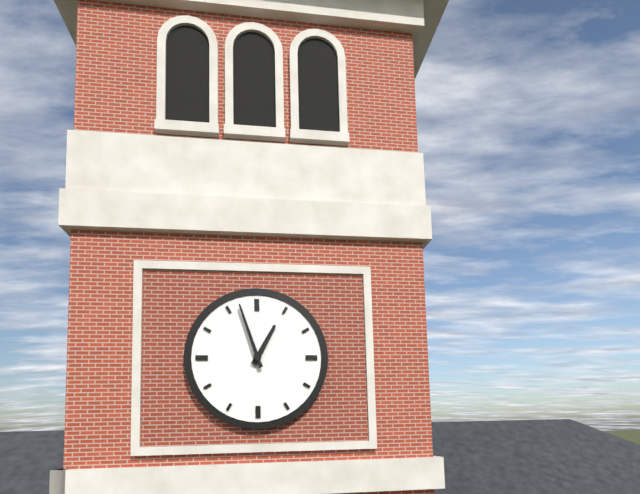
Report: 12.57
